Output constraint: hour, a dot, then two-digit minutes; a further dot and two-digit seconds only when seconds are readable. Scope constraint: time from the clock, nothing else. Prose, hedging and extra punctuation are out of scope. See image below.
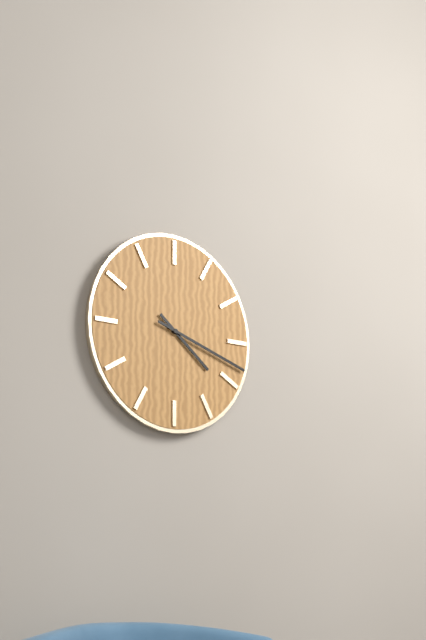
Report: 4.18
